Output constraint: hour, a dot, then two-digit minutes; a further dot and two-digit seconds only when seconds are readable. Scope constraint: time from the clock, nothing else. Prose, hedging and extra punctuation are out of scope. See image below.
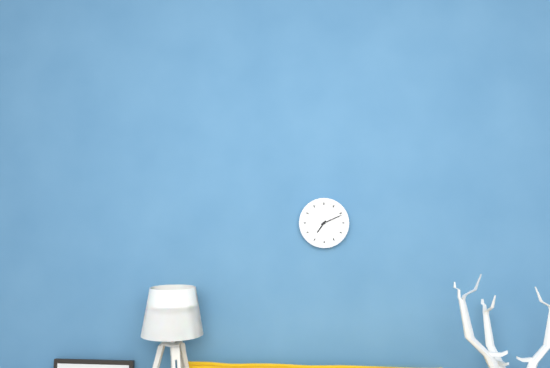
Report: 7.11
